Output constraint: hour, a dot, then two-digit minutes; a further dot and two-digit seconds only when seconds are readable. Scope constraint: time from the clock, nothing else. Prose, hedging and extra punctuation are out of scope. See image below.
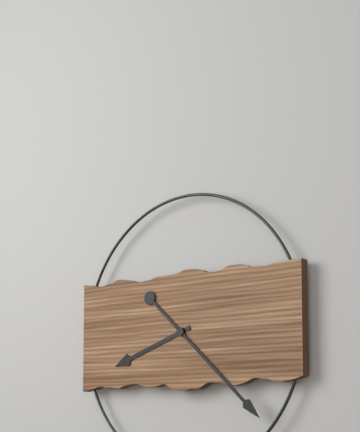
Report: 8.22
